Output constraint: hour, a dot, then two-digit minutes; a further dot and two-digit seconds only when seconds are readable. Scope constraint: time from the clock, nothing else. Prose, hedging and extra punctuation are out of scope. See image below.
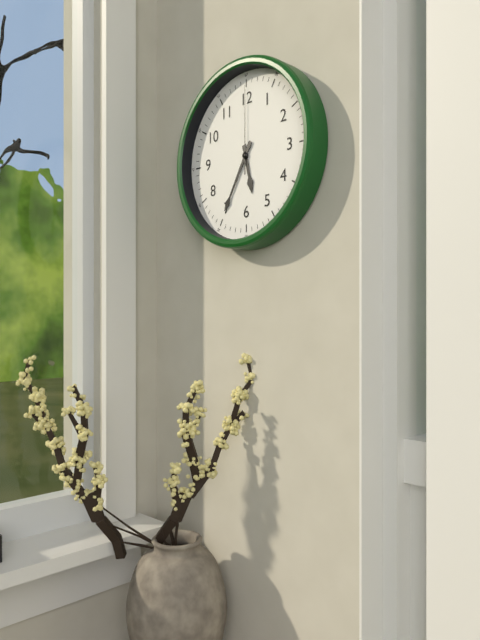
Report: 5.35.00
